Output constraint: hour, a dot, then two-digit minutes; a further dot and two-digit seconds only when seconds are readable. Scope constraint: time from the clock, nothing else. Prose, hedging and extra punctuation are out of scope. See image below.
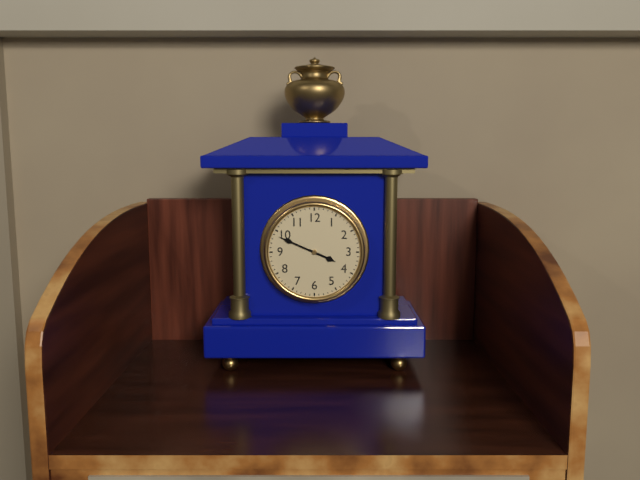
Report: 3.49
